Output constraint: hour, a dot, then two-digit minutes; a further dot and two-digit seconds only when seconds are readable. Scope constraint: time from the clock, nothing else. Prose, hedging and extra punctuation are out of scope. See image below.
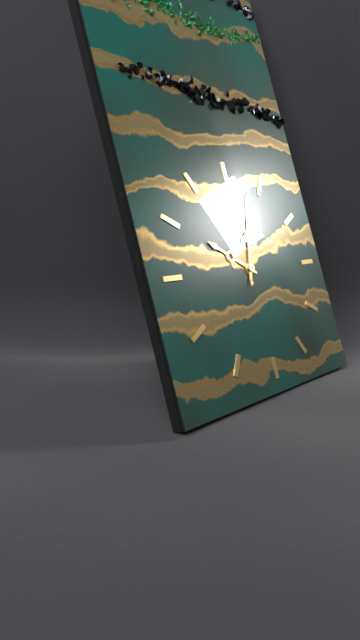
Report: 10.03.03
